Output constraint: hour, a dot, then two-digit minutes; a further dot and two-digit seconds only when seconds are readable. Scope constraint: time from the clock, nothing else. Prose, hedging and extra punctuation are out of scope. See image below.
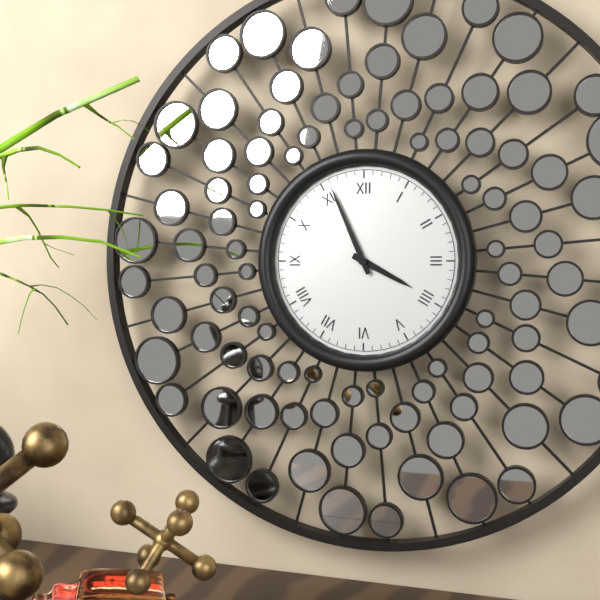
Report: 3.56
